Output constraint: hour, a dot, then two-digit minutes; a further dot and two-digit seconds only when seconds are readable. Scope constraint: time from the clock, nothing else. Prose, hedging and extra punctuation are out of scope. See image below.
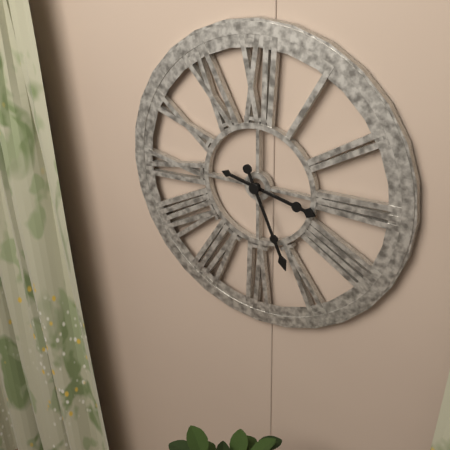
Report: 3.26
